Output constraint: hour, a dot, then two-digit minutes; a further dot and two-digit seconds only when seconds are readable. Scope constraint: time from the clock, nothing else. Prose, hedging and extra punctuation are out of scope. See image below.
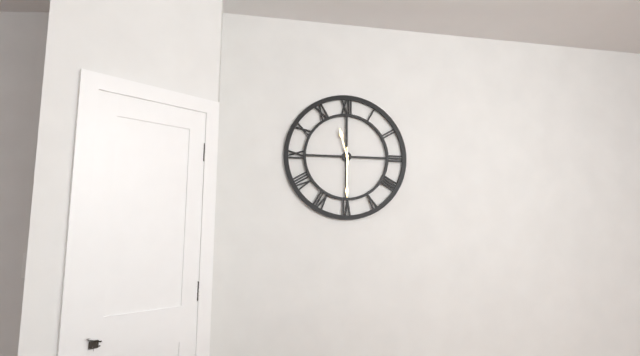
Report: 11.30
